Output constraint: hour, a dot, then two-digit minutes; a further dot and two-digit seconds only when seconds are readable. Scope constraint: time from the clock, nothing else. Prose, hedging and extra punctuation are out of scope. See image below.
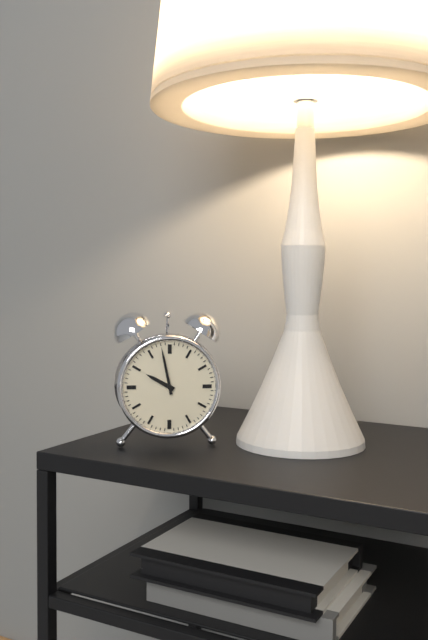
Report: 9.58
